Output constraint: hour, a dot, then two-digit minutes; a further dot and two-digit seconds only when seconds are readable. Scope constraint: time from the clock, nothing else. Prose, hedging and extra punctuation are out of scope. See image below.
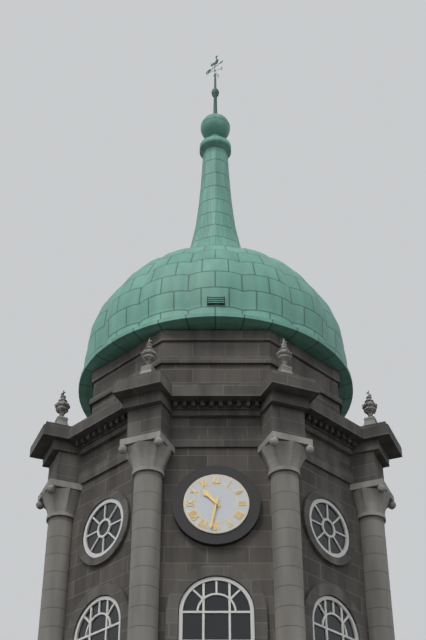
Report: 10.32
